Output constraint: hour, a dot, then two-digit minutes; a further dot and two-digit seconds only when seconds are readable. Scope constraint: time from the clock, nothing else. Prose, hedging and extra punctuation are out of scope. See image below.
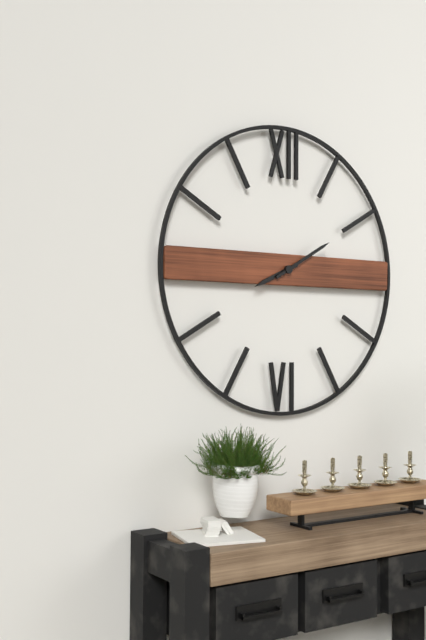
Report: 8.10
